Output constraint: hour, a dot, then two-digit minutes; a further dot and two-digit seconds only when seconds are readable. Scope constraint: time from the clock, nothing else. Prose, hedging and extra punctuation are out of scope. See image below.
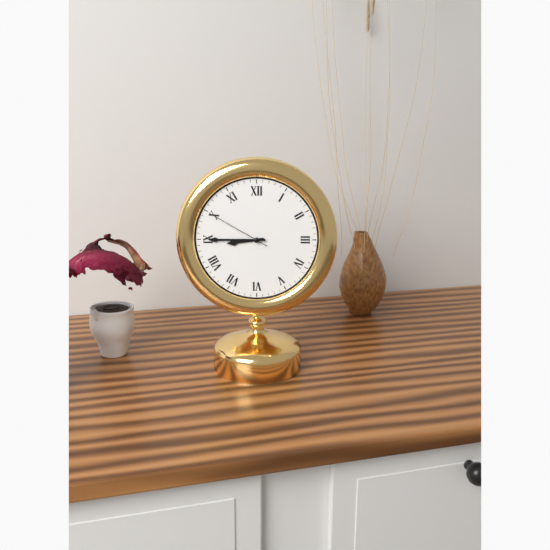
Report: 8.45.50
